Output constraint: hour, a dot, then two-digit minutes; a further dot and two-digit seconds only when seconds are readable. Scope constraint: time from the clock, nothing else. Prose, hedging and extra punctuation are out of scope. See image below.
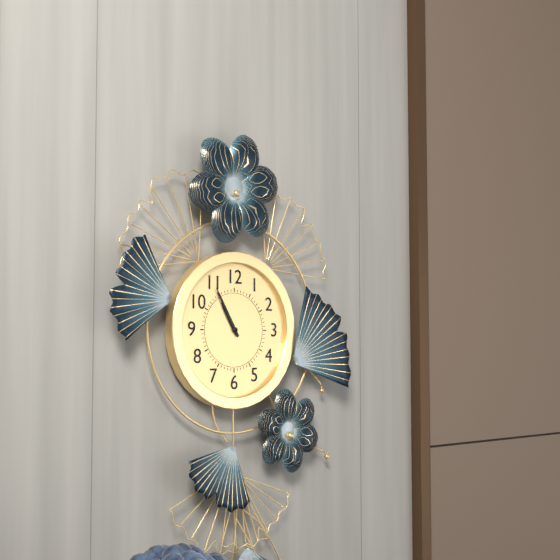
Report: 10.55
